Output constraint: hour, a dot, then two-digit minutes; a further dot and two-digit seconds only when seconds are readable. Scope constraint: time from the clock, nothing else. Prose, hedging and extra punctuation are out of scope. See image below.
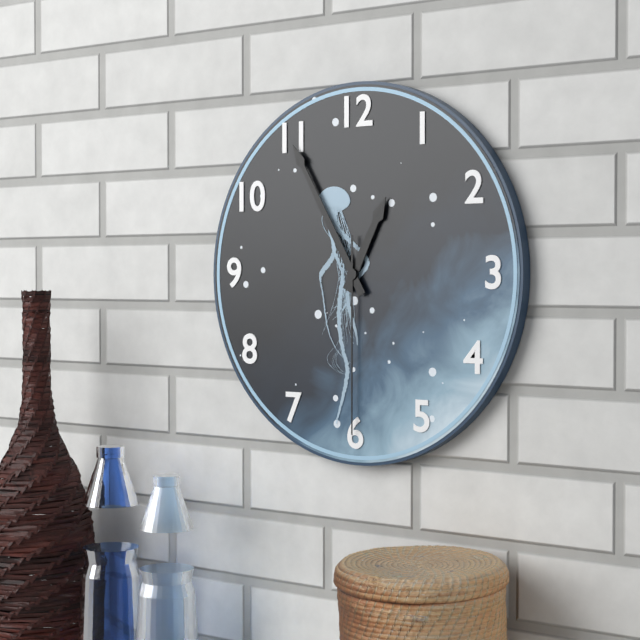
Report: 12.55.30
